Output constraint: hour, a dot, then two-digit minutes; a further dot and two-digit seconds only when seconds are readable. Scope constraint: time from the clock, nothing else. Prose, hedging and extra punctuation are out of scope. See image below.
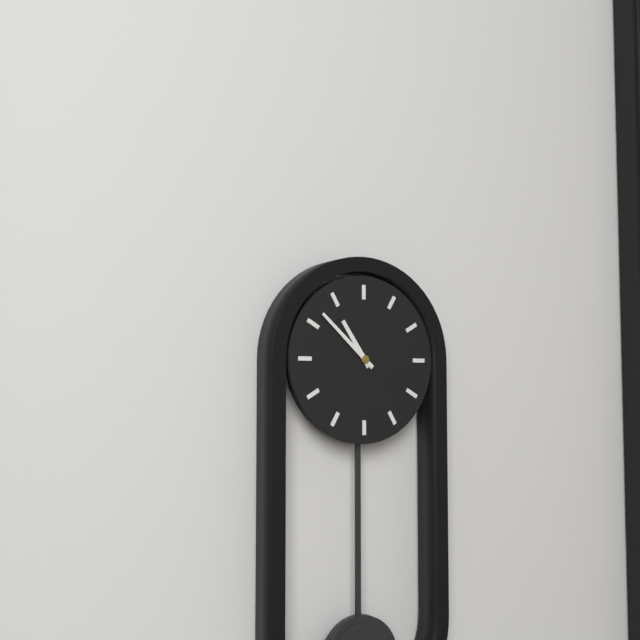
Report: 10.52
